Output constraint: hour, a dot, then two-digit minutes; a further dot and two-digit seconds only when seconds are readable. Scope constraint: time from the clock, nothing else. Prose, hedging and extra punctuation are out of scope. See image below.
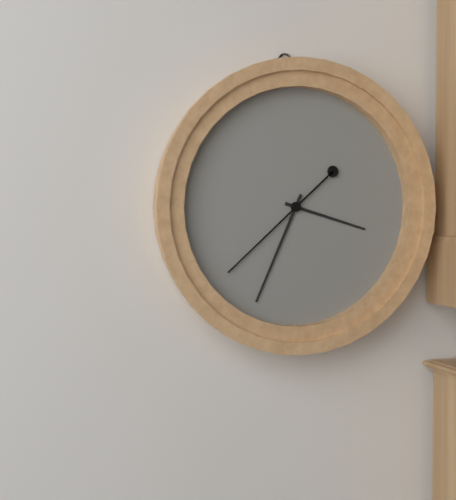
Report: 3.34.38
